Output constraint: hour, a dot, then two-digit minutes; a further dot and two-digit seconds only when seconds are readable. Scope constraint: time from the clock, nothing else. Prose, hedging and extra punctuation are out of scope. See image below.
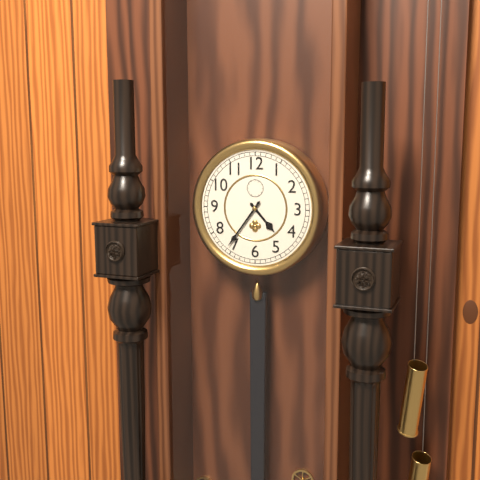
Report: 4.36
